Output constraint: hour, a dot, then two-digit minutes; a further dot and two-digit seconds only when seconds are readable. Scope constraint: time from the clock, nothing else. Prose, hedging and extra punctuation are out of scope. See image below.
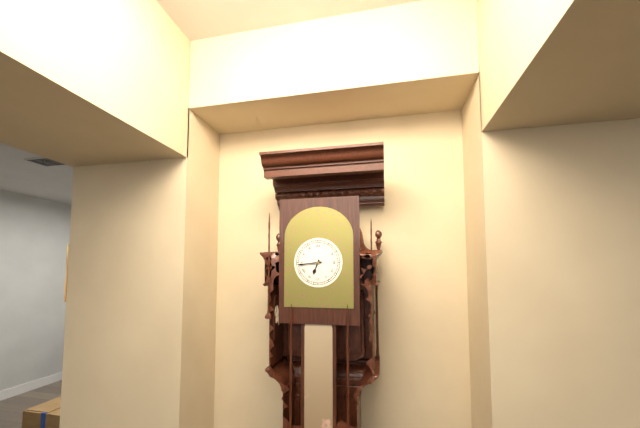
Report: 6.44
